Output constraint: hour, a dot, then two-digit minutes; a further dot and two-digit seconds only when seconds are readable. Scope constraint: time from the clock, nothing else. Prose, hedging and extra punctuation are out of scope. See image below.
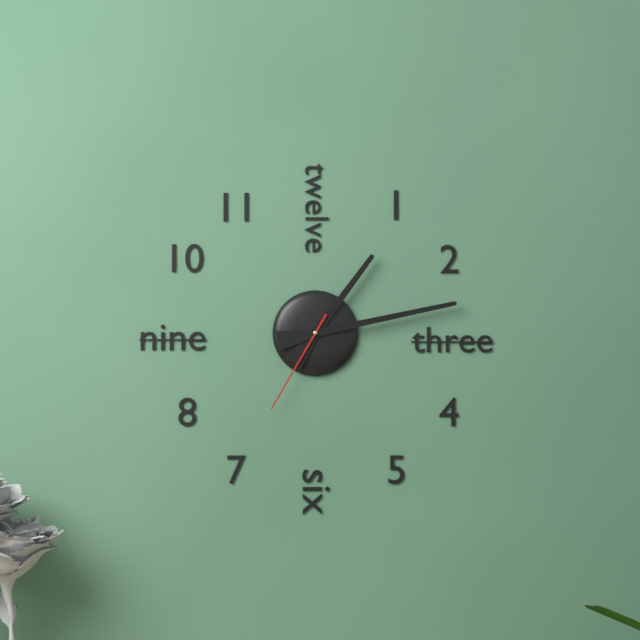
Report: 1.13.35
